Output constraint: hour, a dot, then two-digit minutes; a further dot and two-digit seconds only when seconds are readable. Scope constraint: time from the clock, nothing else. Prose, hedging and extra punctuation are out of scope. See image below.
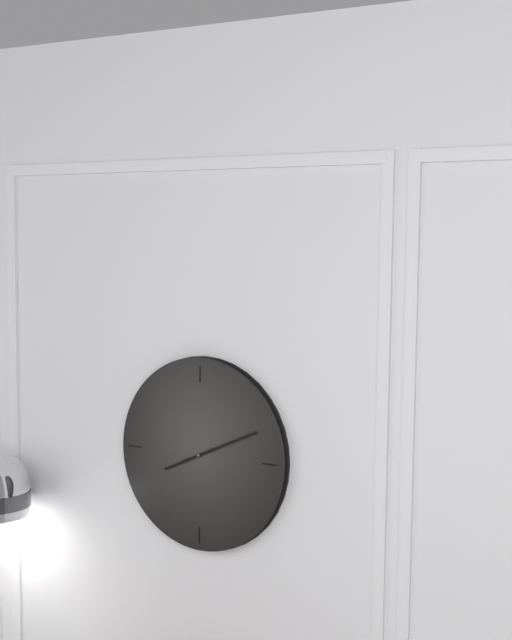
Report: 8.11
